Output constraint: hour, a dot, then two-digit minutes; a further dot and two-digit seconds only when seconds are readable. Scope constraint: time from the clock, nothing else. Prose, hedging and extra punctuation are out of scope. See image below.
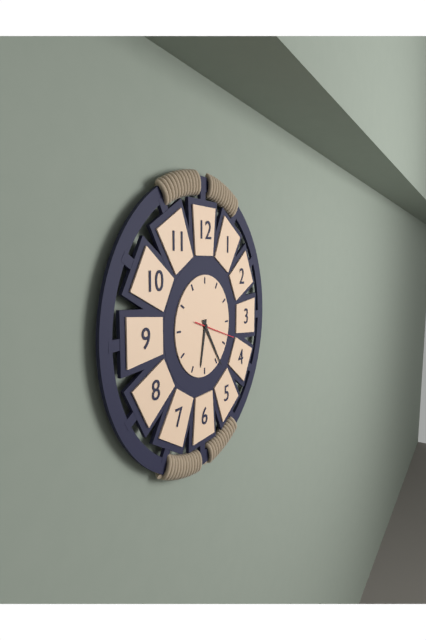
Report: 6.24
